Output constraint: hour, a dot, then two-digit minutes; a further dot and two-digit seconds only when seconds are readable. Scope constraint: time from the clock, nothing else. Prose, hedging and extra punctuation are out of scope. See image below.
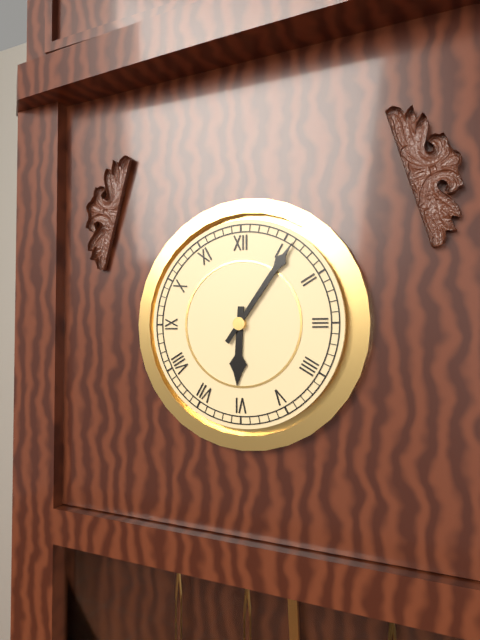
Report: 6.06
